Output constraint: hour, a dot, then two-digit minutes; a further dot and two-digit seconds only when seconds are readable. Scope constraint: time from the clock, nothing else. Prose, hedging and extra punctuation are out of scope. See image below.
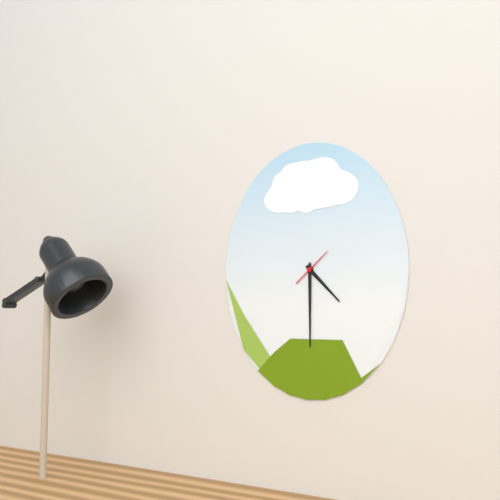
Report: 4.30
